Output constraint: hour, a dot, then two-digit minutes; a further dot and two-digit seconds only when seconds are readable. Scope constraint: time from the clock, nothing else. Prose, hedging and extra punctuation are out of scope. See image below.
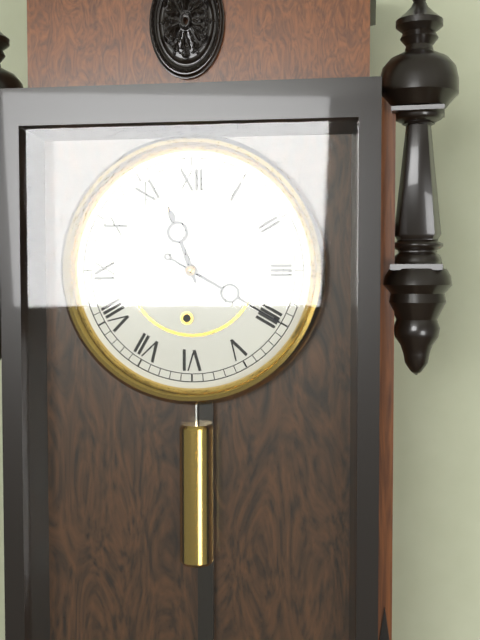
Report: 11.20
